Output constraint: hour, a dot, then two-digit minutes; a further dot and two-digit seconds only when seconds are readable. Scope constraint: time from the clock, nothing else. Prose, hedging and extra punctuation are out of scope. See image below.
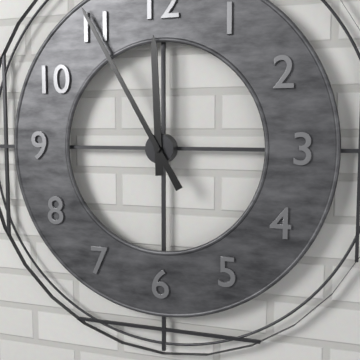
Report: 11.55
